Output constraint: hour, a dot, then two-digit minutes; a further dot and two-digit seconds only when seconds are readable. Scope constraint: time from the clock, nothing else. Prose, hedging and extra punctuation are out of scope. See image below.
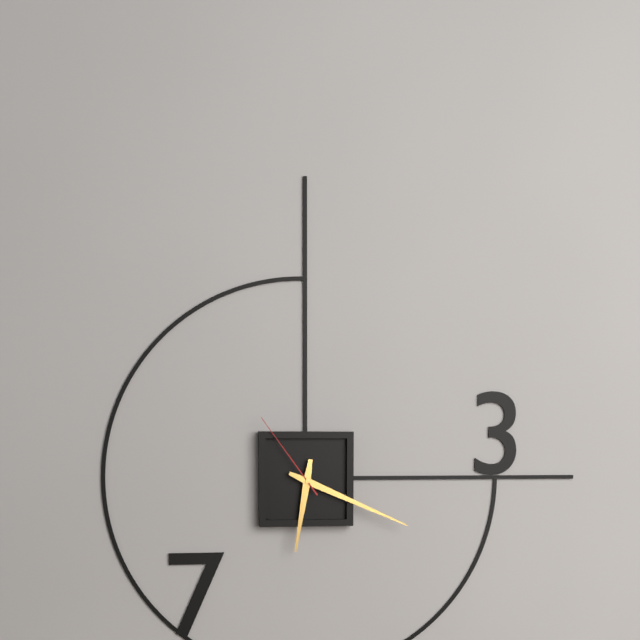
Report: 6.19.54
